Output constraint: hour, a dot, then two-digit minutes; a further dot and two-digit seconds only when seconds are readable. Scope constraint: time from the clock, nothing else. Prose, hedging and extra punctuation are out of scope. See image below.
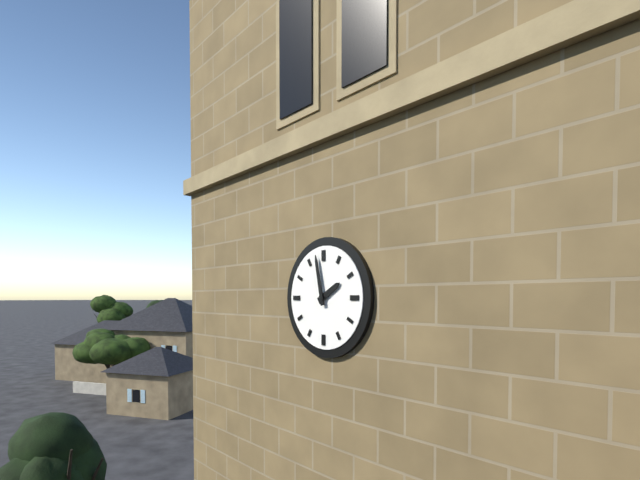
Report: 1.58
